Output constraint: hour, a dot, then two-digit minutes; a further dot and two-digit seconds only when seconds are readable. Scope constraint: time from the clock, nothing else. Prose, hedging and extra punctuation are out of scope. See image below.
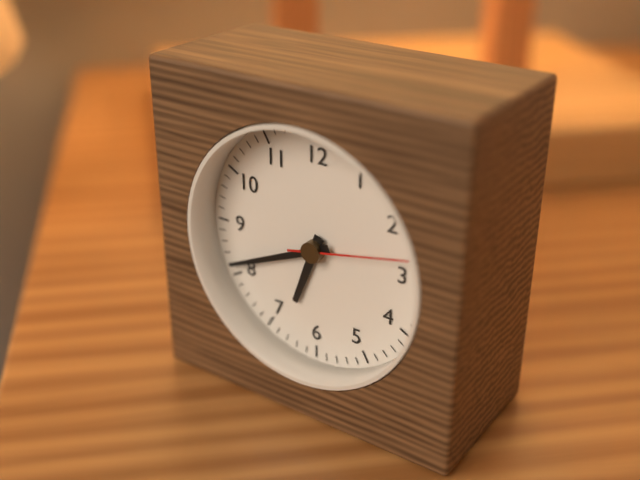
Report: 6.41.13
